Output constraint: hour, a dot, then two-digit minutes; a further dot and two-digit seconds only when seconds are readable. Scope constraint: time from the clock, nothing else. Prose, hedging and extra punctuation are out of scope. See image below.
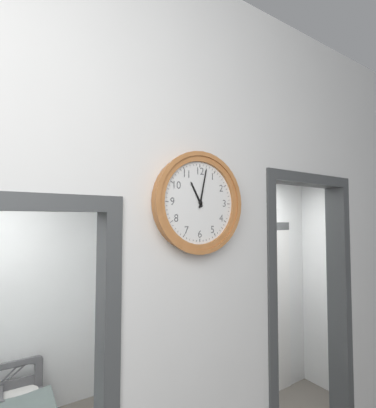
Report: 11.02
